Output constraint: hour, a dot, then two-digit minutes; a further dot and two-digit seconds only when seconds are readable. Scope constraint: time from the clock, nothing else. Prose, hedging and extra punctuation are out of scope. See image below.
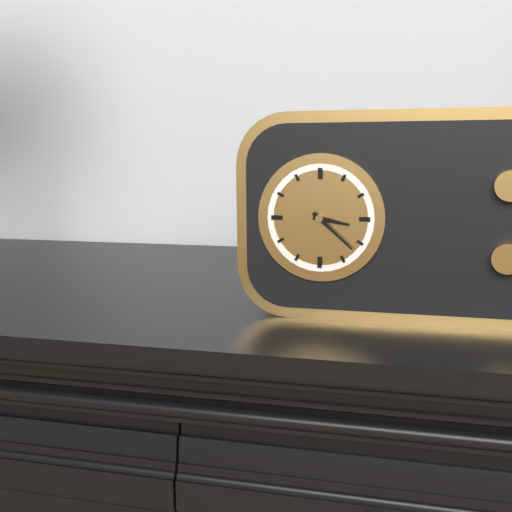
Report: 3.22
